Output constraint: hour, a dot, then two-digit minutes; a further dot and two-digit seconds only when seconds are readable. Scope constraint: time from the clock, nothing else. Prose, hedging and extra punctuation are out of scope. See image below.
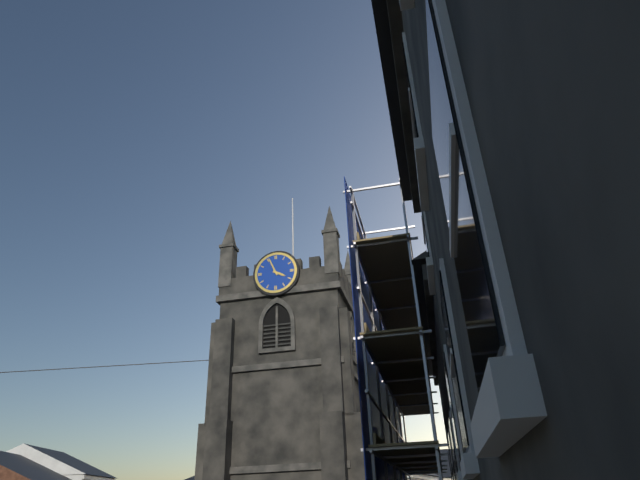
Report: 3.56
